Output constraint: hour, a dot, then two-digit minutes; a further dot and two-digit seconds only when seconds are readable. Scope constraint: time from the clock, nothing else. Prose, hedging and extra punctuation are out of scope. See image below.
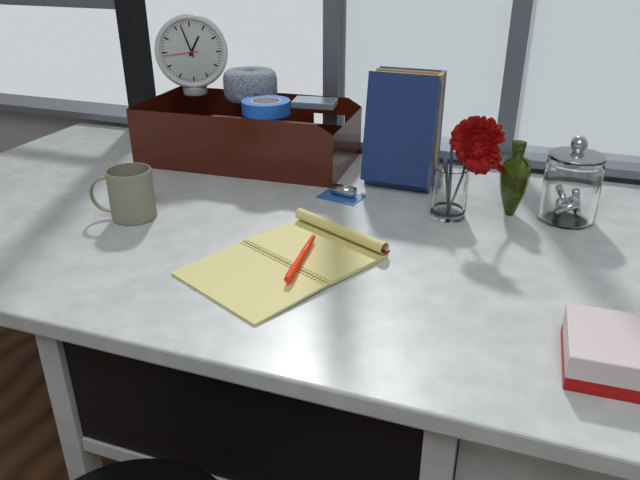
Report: 12.57
